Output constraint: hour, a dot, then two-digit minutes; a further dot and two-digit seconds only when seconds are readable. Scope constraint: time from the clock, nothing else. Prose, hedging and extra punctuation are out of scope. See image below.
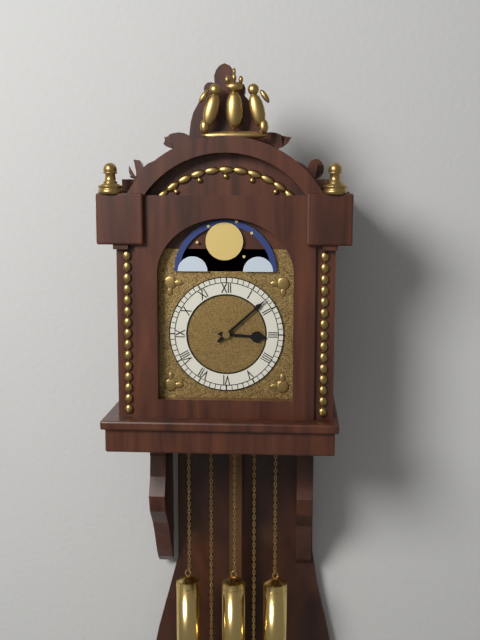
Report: 3.08
